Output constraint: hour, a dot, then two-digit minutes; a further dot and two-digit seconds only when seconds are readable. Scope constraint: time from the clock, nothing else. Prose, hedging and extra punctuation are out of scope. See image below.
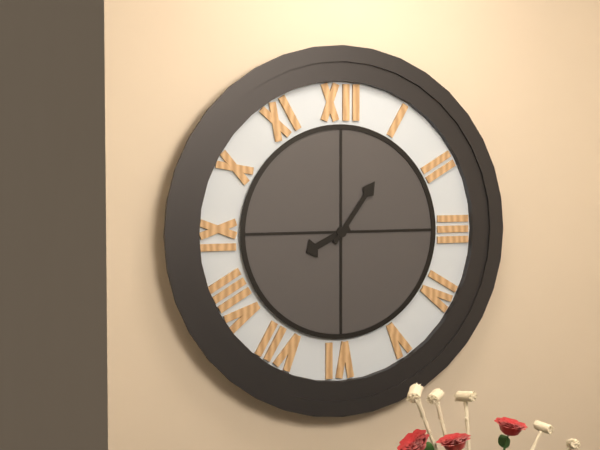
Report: 8.06
